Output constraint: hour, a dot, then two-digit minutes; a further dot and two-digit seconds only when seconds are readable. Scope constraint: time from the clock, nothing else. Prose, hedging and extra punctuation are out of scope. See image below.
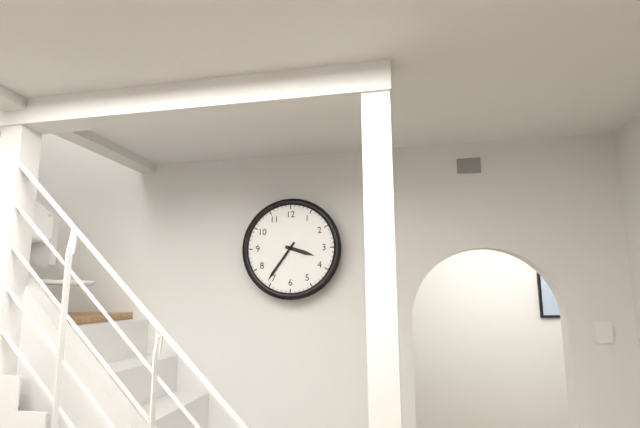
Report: 3.36
